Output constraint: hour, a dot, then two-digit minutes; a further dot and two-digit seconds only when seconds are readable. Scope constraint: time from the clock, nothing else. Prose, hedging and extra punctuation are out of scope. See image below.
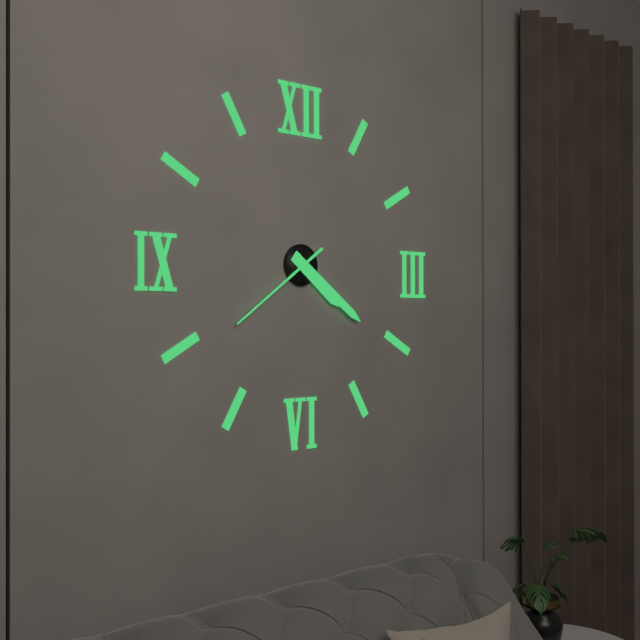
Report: 4.21.39
